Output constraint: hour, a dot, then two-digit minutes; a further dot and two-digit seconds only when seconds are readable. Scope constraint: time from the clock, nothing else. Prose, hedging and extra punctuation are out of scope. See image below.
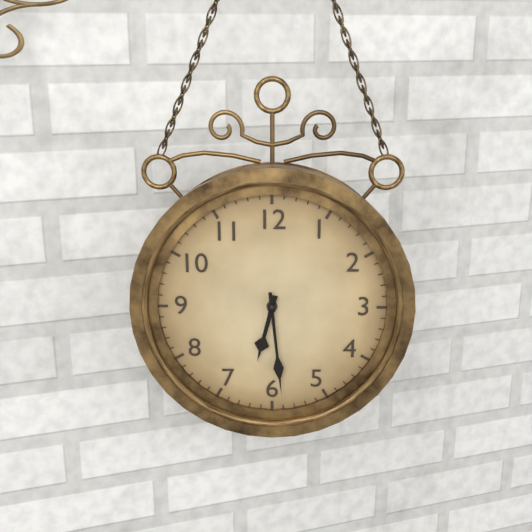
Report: 6.29
